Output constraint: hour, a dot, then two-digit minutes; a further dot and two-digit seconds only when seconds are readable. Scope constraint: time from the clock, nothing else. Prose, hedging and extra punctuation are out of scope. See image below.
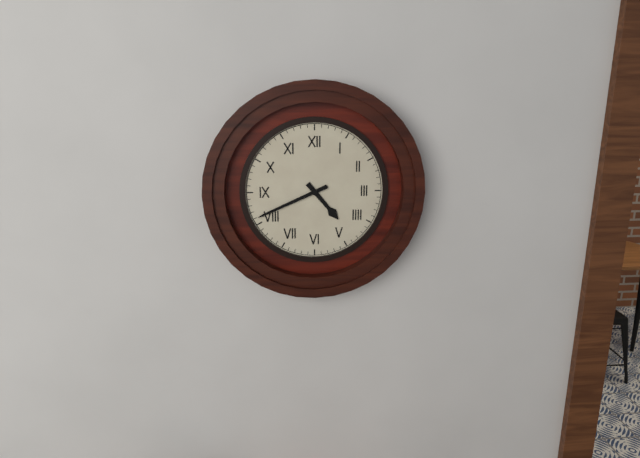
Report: 4.41
